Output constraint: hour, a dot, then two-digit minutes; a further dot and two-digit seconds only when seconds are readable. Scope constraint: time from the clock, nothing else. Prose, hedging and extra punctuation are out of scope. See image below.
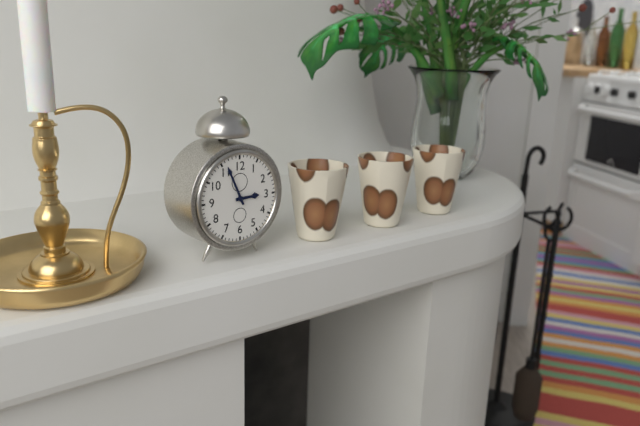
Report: 2.56
